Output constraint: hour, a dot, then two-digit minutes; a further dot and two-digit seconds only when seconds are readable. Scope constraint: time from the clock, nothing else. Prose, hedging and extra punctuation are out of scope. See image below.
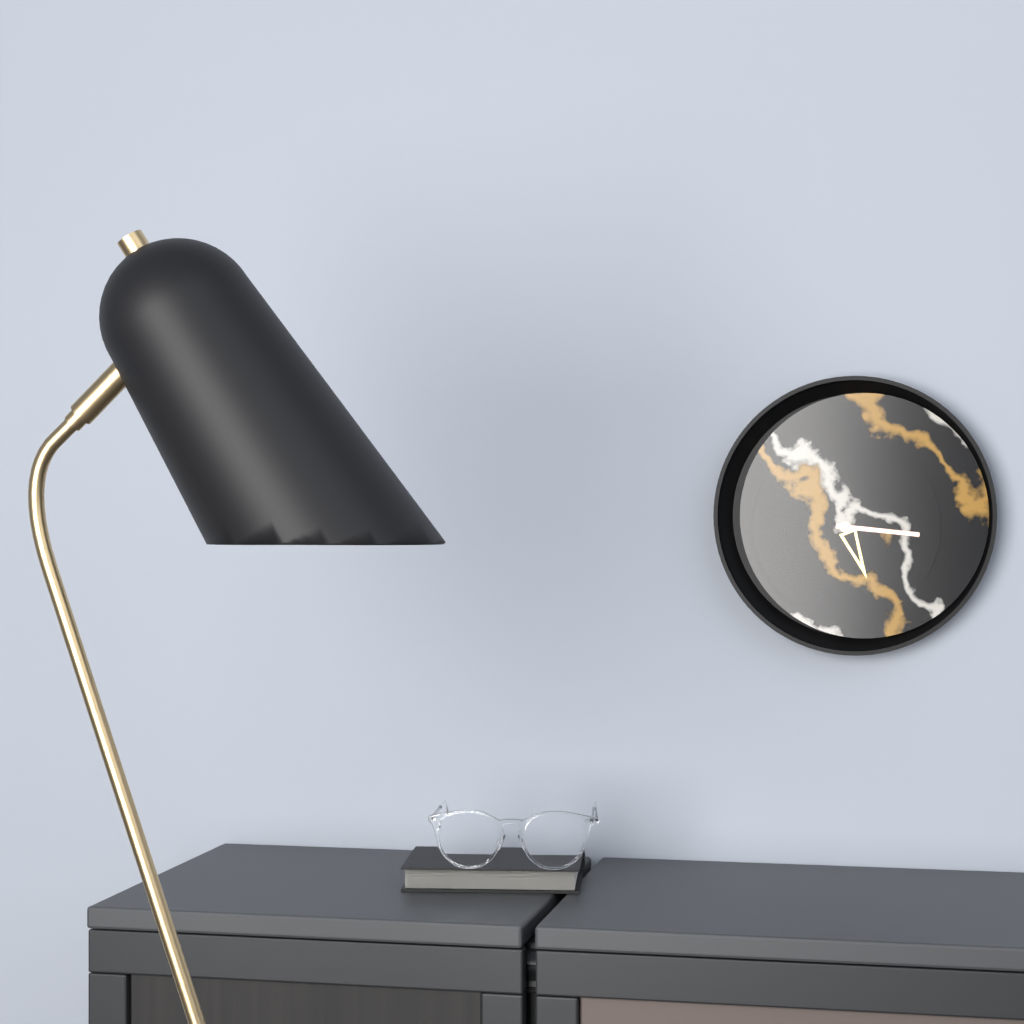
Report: 5.16
